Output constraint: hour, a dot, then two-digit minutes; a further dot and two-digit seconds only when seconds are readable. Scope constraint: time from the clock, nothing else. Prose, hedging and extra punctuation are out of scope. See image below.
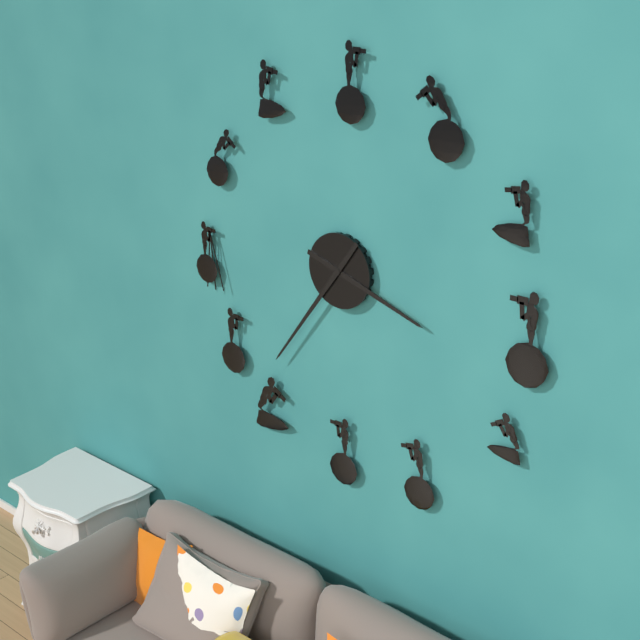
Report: 3.36
